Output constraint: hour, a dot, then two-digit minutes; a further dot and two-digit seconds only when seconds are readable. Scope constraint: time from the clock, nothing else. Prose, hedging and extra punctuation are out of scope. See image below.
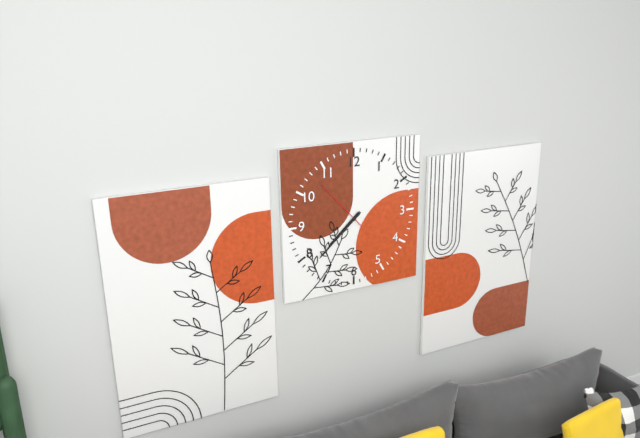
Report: 7.38.53
